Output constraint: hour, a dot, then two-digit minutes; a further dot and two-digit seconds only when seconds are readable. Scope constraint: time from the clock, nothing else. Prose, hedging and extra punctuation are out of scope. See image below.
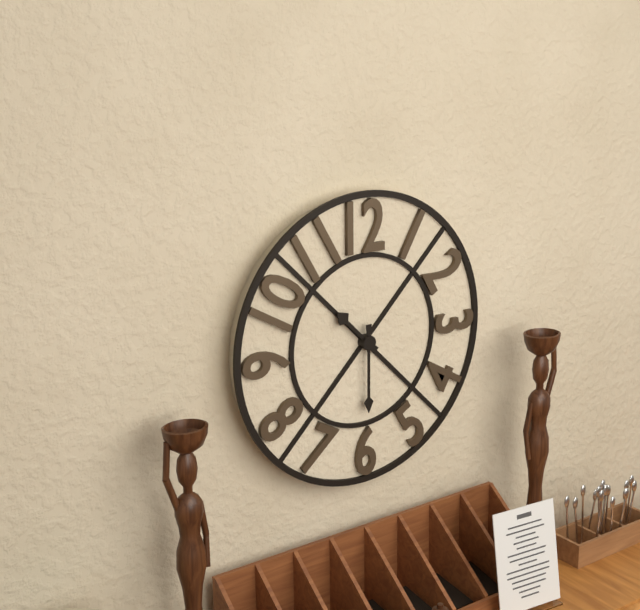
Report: 10.30
